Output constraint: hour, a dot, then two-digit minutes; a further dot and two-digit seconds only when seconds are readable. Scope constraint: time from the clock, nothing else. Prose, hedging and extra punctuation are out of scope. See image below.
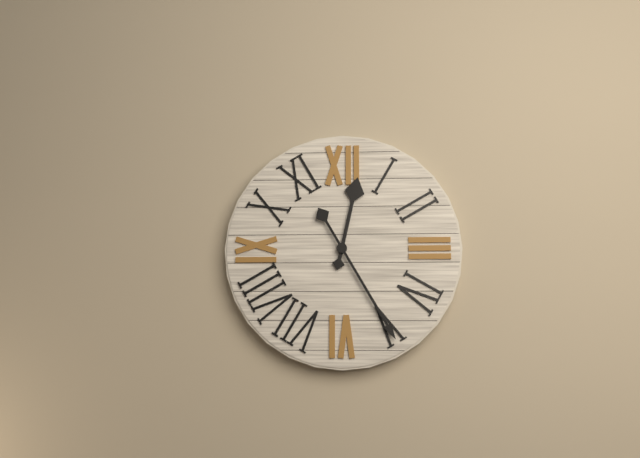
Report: 12.25
